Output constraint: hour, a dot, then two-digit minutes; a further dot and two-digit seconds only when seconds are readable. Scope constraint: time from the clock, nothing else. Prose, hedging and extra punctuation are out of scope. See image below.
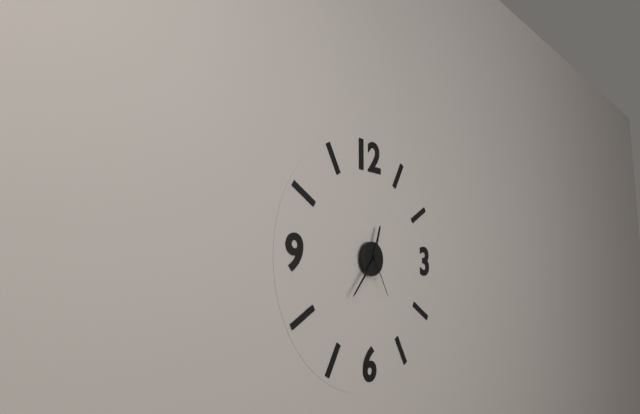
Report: 12.37.25
